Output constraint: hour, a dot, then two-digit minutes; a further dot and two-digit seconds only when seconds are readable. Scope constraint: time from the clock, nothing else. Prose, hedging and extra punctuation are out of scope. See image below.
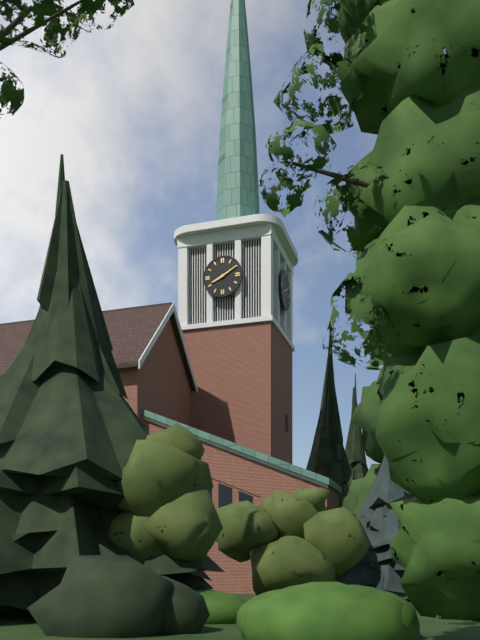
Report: 8.10
